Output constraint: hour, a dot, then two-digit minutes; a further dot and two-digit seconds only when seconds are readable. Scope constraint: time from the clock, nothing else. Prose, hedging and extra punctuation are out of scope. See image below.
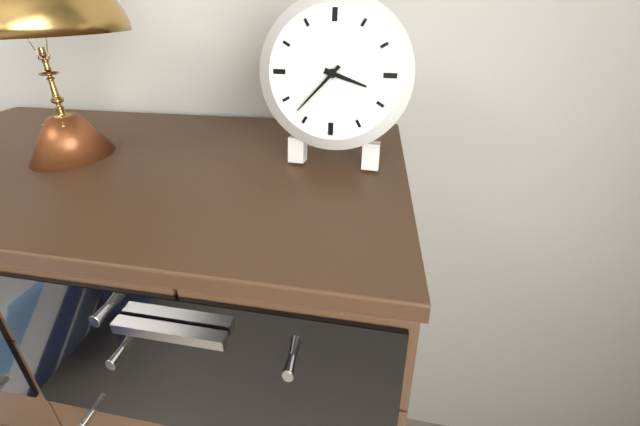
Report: 3.37
